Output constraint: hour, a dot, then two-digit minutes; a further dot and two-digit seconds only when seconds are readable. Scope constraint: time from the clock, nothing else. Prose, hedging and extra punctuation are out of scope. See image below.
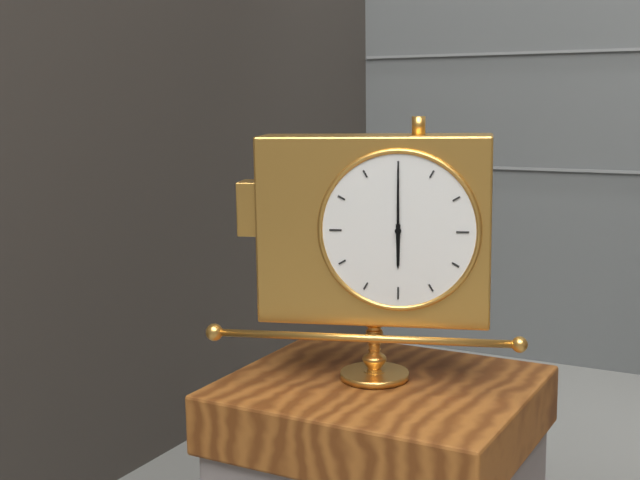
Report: 6.00
